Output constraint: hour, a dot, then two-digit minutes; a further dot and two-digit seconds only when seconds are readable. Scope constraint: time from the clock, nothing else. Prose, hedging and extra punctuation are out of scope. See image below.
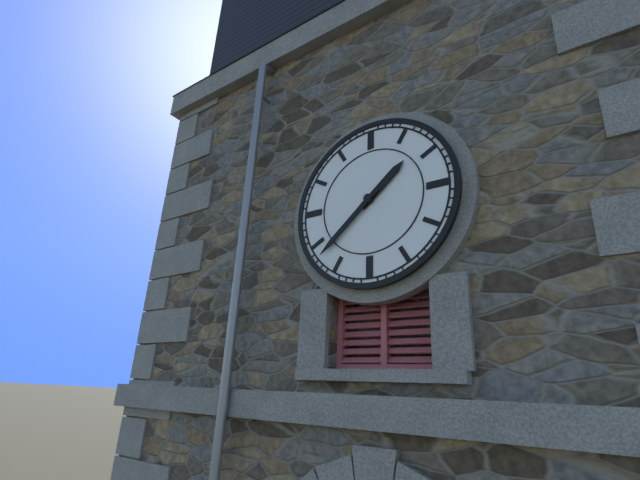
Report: 1.38
